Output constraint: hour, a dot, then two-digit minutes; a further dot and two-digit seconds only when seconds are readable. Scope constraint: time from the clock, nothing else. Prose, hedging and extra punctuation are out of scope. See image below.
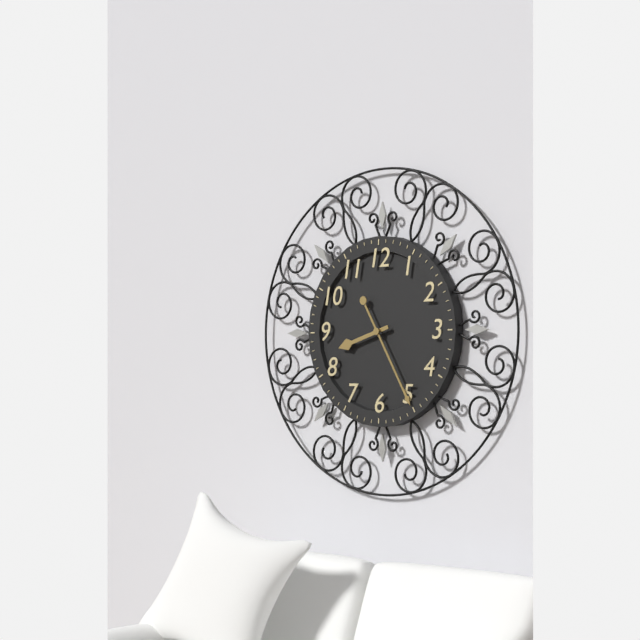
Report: 8.25
